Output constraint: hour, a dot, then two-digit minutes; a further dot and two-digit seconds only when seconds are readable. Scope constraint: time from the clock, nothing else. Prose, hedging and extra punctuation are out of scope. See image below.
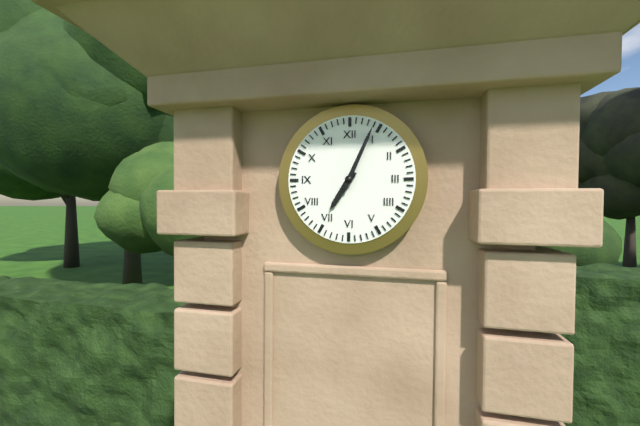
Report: 7.04
